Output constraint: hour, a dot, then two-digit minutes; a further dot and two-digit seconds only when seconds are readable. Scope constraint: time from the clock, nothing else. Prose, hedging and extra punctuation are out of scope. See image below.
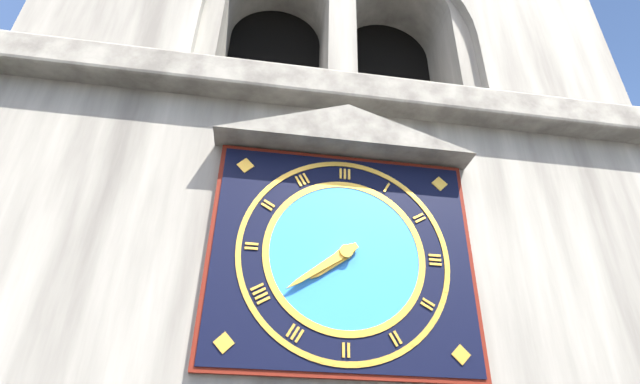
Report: 7.39
